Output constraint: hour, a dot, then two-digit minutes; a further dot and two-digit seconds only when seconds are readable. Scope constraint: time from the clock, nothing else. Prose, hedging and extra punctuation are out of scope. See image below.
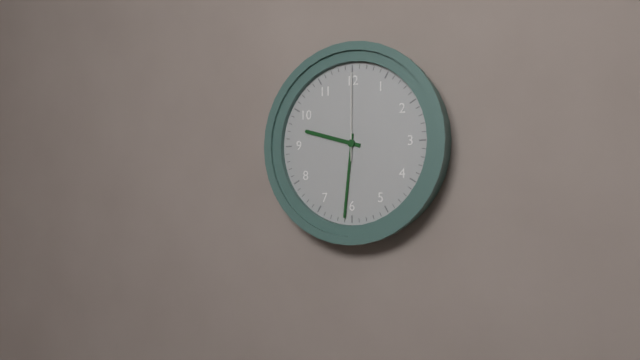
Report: 9.31.00
